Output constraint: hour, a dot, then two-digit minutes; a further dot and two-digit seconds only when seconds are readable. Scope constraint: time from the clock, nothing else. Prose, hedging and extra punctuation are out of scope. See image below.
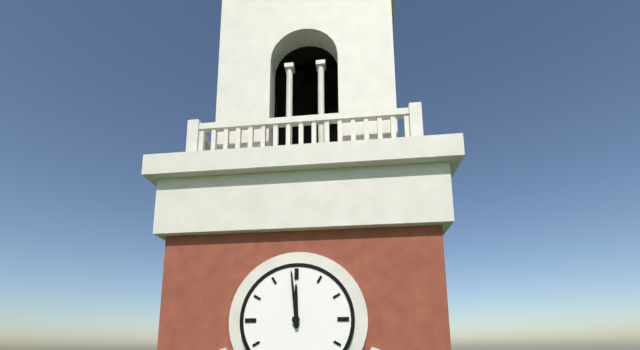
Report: 11.59
